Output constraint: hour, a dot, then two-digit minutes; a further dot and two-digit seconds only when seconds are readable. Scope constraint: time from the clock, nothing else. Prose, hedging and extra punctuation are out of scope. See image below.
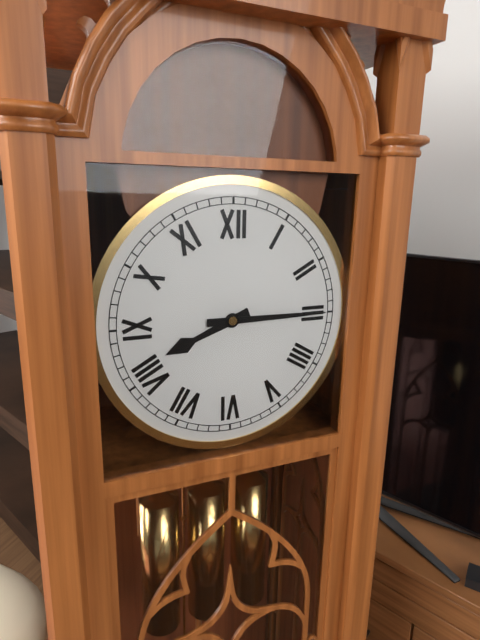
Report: 8.15
